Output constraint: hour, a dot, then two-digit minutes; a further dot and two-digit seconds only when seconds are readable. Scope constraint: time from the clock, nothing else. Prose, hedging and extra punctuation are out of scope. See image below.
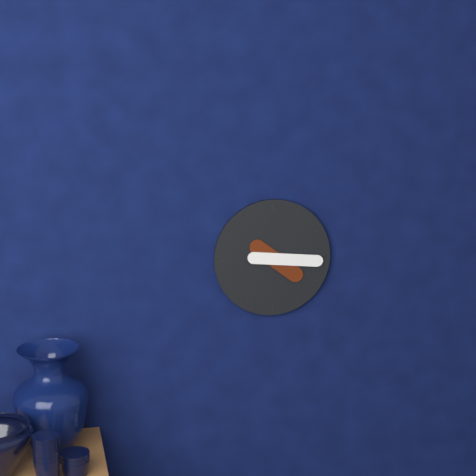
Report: 4.16
